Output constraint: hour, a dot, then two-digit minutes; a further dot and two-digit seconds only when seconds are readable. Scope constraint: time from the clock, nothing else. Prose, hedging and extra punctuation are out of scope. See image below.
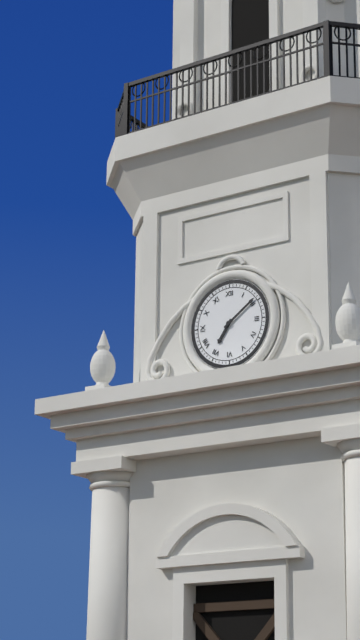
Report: 7.09
